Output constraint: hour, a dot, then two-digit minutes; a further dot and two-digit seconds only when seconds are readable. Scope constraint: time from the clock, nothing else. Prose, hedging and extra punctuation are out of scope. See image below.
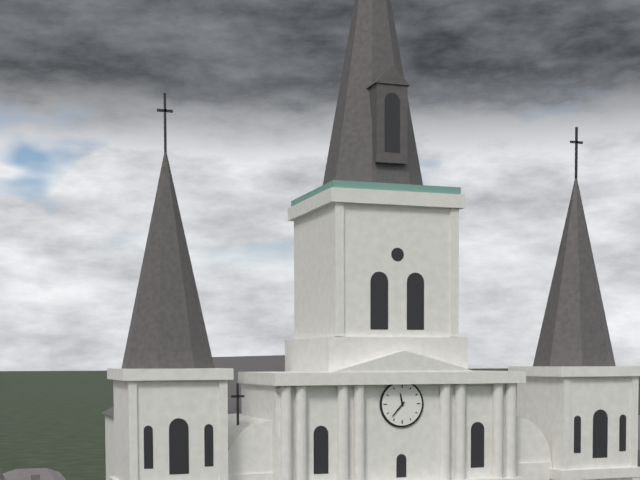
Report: 11.37
